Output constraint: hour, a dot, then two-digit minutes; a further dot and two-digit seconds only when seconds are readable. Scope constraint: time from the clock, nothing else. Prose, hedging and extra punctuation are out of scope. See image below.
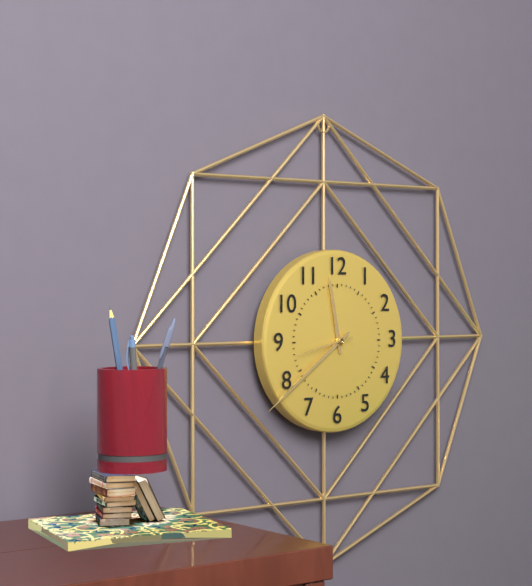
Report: 11.39.43
